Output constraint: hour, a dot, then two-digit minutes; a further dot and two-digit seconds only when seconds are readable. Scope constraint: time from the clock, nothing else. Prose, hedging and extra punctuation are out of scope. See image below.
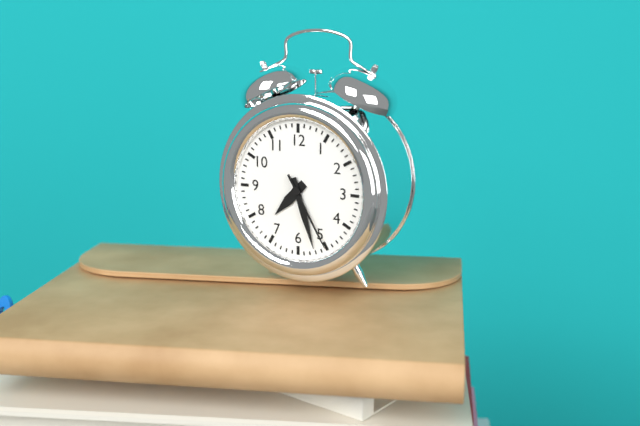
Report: 7.27.25
